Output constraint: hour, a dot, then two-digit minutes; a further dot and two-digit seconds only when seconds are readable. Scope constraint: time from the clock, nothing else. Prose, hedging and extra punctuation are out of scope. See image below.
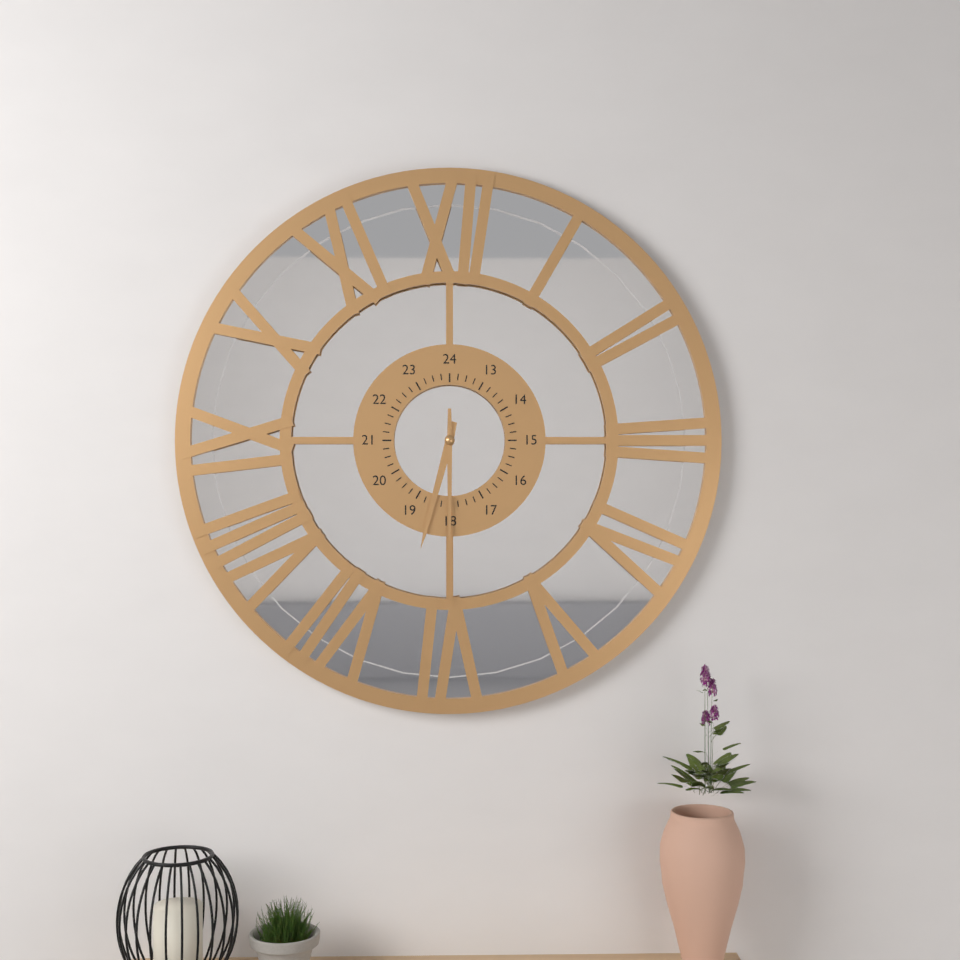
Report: 6.30
